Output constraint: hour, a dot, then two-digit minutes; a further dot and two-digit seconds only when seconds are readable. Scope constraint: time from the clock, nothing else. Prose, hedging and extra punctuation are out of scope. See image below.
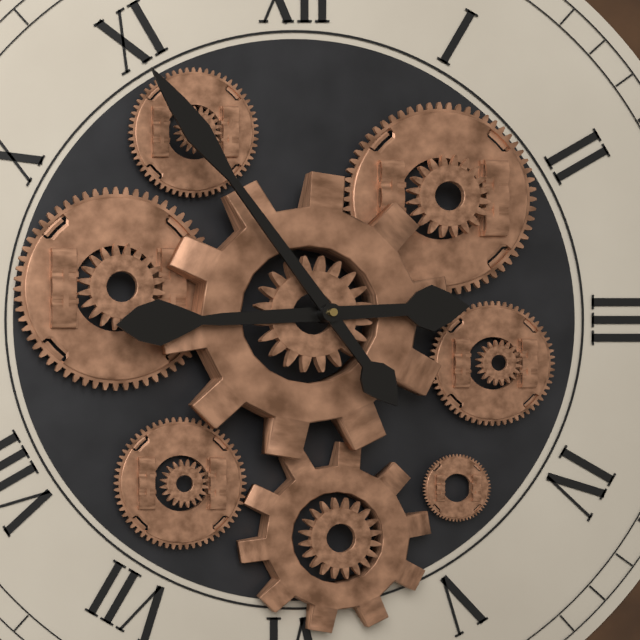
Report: 8.54
